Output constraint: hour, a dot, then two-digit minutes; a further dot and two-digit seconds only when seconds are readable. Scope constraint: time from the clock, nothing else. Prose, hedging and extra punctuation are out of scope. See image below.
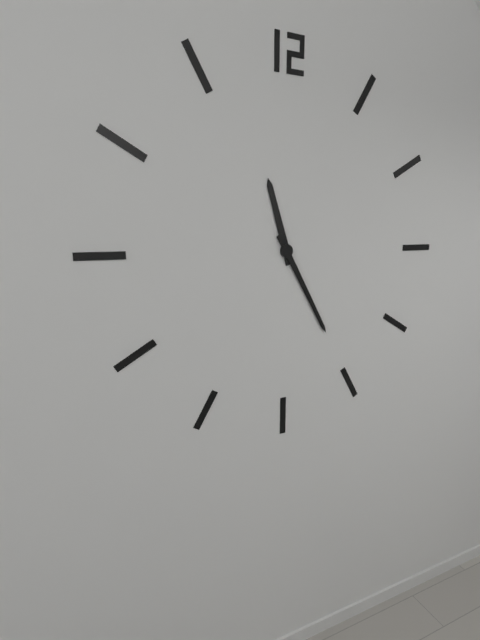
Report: 11.25
